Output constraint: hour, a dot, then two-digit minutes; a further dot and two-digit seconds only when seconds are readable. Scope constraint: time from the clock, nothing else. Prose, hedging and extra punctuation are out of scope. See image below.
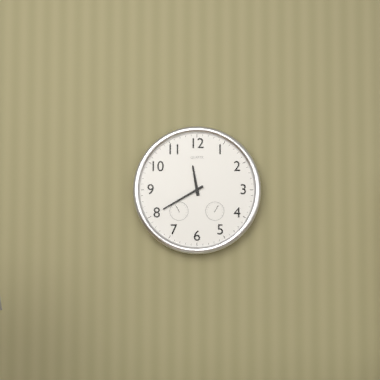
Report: 11.40
